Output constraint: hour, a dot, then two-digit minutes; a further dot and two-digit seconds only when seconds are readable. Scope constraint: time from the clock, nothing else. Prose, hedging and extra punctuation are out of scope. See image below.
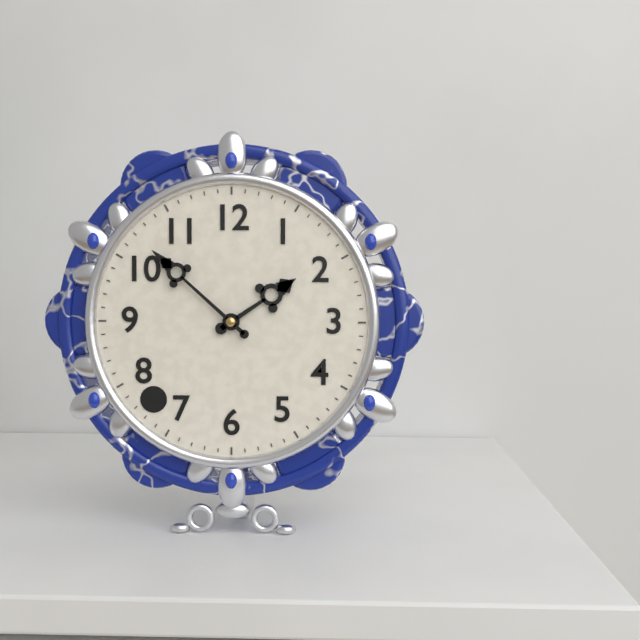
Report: 1.52
